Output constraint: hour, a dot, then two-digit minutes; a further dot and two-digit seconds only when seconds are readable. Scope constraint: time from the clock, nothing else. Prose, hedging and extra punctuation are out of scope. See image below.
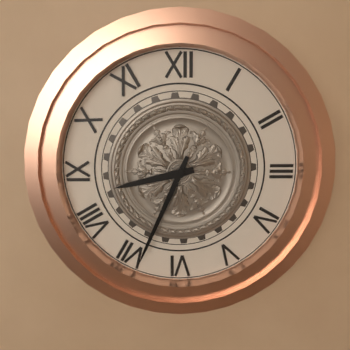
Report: 8.34
